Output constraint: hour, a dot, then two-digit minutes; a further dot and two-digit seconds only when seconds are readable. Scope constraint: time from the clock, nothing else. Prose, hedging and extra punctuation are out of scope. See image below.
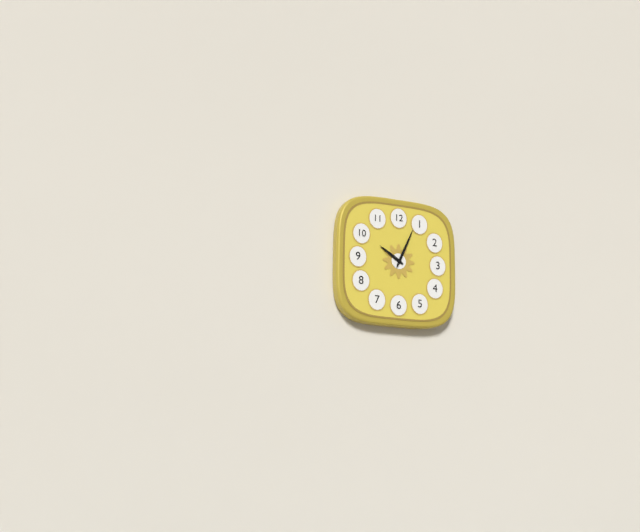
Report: 10.04
